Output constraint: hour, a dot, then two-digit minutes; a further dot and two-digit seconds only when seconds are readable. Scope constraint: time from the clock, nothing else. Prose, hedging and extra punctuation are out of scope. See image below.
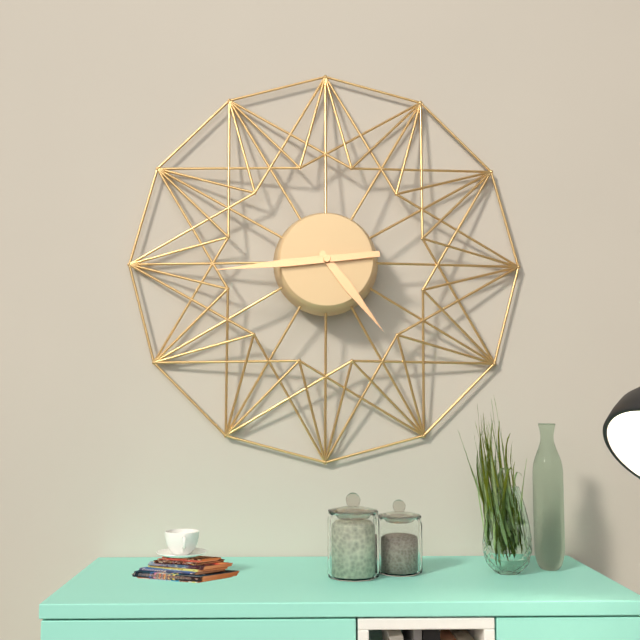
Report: 4.44
